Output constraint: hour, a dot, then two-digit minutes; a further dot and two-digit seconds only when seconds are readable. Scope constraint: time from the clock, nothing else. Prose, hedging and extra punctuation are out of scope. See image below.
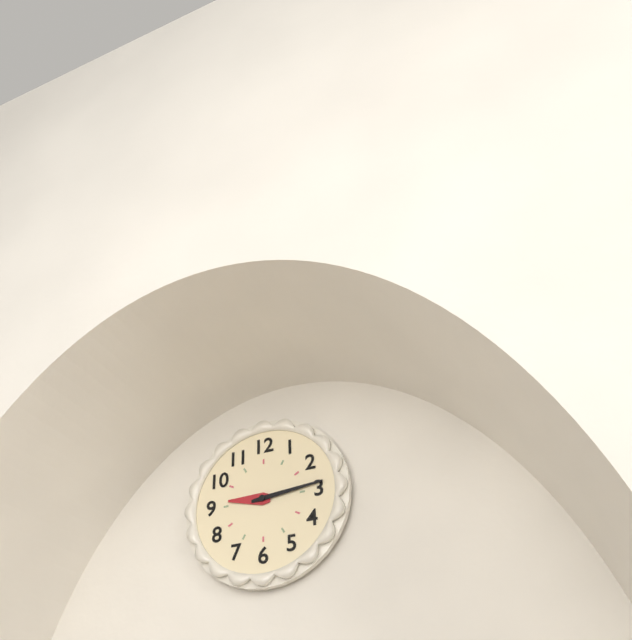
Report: 9.14
